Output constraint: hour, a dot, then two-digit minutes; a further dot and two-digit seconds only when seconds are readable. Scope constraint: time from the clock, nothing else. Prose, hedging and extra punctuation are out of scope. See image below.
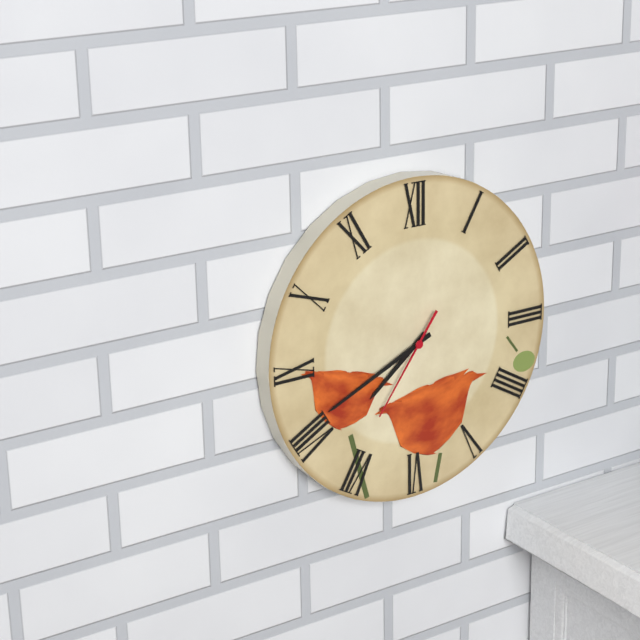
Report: 7.41.36
